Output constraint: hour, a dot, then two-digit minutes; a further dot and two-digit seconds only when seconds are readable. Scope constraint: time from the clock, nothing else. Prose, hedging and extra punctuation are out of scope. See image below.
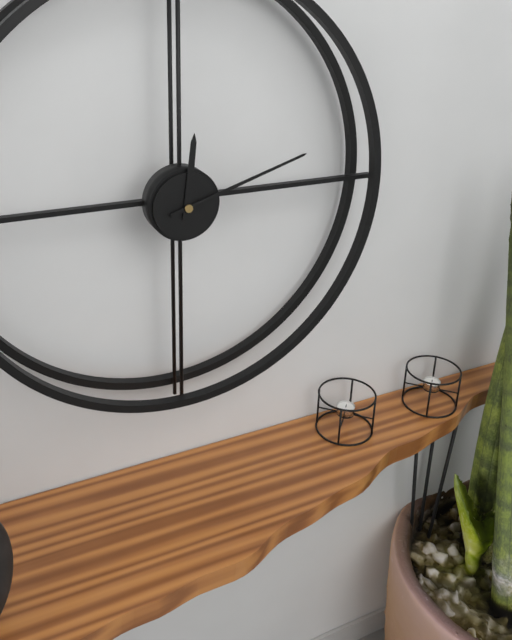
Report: 12.12
